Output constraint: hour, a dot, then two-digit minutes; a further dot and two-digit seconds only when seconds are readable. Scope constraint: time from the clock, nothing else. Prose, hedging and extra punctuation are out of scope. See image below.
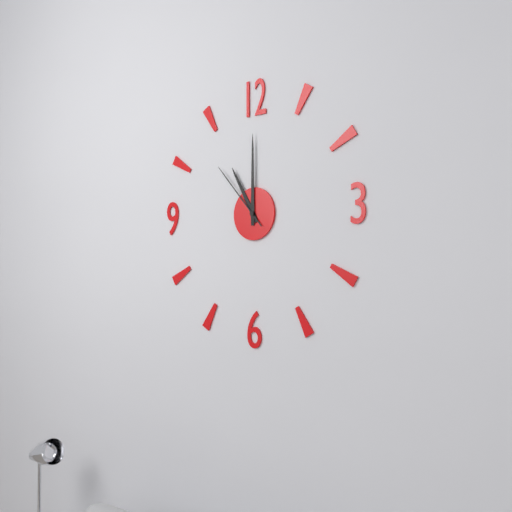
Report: 11.00.53
